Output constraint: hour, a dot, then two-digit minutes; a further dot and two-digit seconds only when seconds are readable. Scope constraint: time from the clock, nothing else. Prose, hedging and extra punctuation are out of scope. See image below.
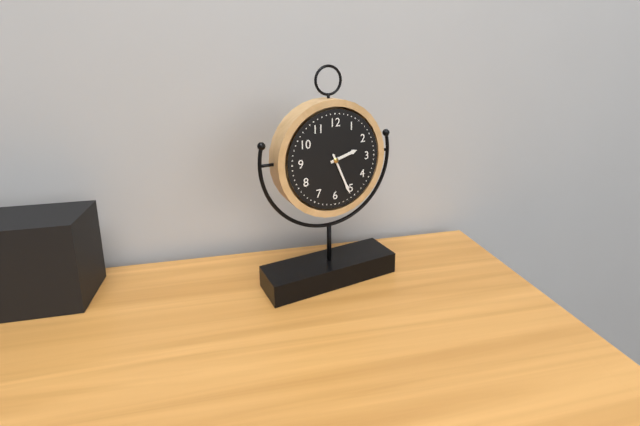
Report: 2.26
